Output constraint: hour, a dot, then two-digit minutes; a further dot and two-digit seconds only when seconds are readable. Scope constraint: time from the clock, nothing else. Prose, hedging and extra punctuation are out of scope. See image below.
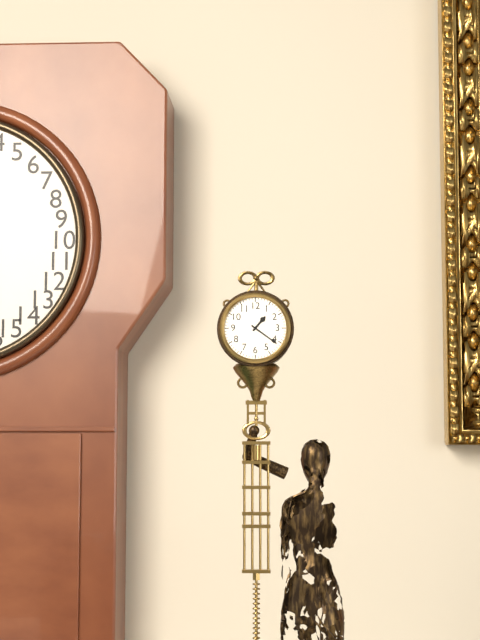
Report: 1.21
